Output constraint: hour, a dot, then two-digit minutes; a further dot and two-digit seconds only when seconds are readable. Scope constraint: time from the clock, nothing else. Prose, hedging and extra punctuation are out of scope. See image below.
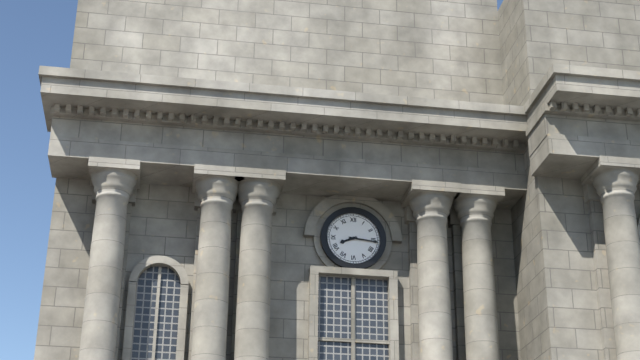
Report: 8.16
